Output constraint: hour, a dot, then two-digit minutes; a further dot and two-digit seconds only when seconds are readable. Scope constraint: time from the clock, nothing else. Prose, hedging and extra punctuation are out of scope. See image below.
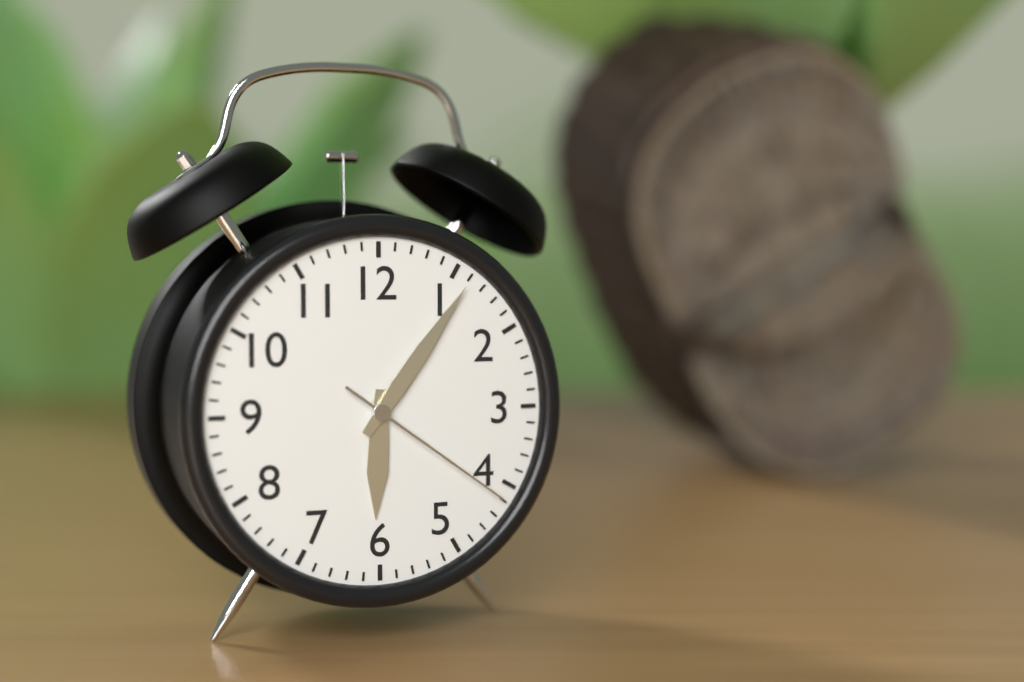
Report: 6.06.21
